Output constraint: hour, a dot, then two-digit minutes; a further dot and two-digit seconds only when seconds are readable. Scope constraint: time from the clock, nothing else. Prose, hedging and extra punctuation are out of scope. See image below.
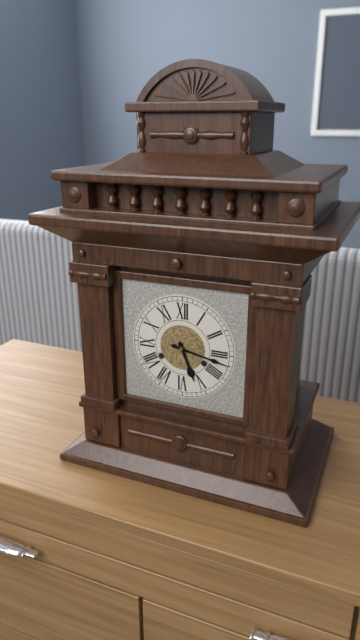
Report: 5.17
